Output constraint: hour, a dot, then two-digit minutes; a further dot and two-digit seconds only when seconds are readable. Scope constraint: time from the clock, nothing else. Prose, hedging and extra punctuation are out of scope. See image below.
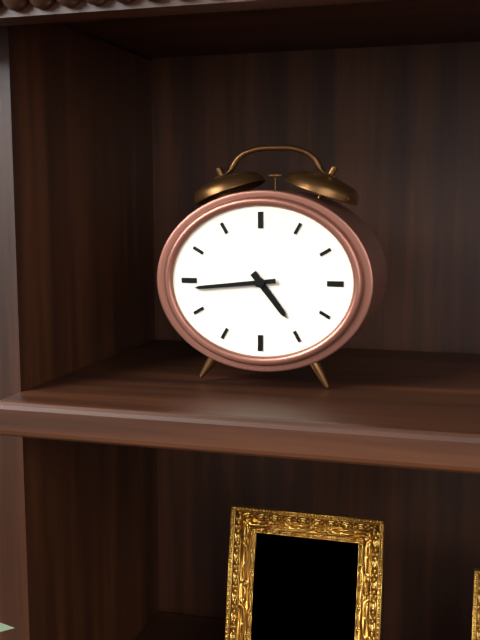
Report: 4.44
